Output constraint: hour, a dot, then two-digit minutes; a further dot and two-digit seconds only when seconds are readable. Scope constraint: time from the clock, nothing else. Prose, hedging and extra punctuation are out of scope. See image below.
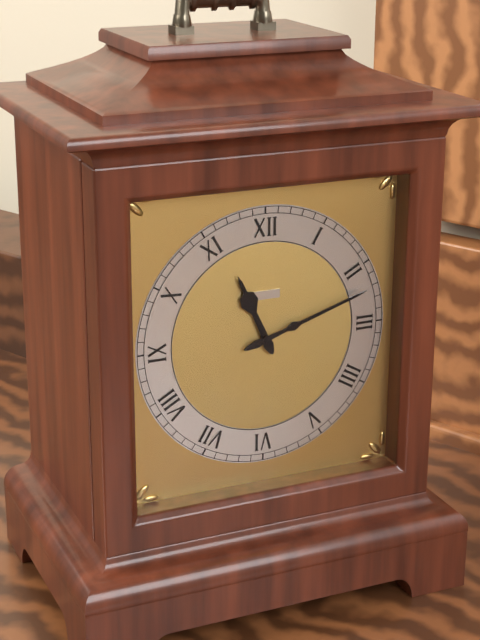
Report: 11.12
